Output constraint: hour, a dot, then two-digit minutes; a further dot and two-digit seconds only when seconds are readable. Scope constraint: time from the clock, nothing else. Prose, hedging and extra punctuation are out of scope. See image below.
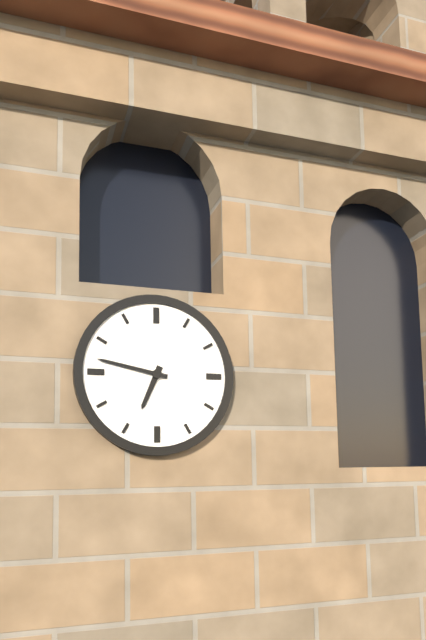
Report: 6.47
